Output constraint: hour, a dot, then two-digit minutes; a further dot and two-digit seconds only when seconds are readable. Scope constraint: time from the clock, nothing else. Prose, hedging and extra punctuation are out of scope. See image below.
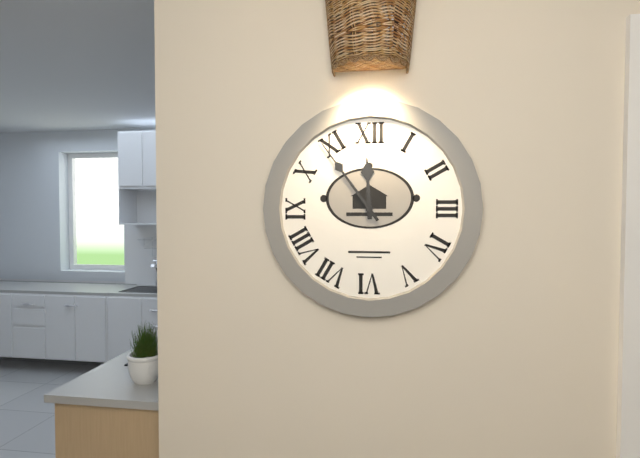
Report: 11.54
